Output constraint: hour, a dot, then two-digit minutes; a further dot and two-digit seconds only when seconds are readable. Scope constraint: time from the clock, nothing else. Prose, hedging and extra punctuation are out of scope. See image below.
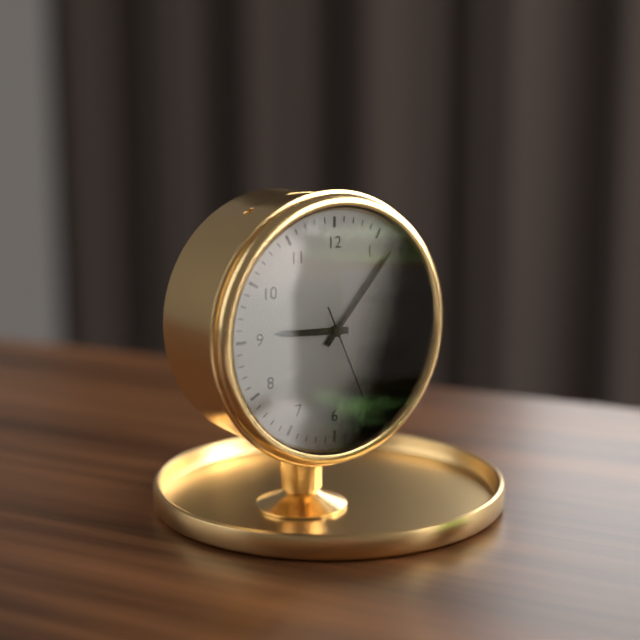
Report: 9.07.26
